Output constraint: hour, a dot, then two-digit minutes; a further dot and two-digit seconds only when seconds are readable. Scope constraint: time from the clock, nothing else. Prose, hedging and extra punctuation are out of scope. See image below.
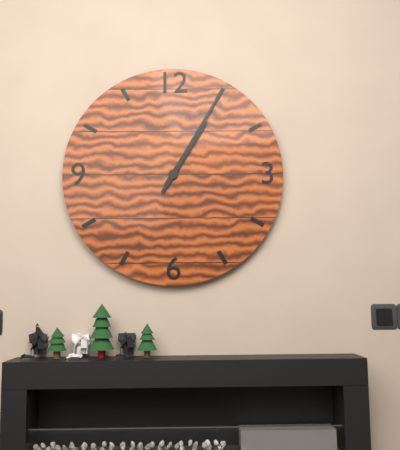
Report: 1.05
